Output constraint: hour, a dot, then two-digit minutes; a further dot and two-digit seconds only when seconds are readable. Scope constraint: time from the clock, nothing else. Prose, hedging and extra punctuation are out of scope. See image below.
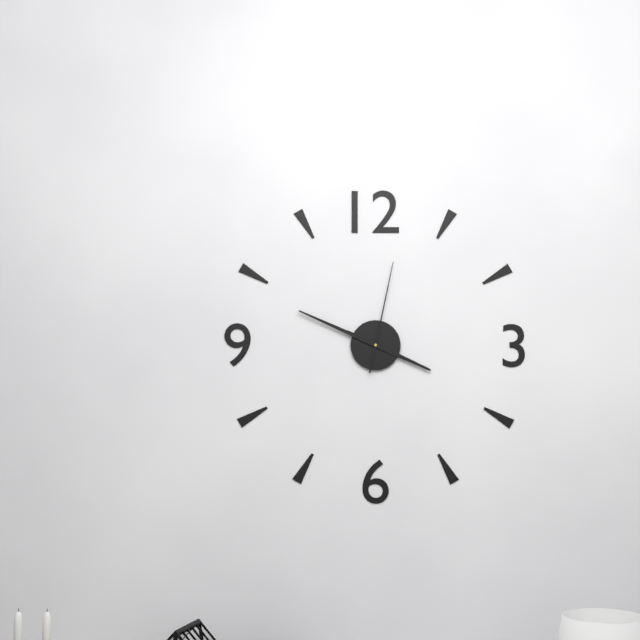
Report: 3.49.02
